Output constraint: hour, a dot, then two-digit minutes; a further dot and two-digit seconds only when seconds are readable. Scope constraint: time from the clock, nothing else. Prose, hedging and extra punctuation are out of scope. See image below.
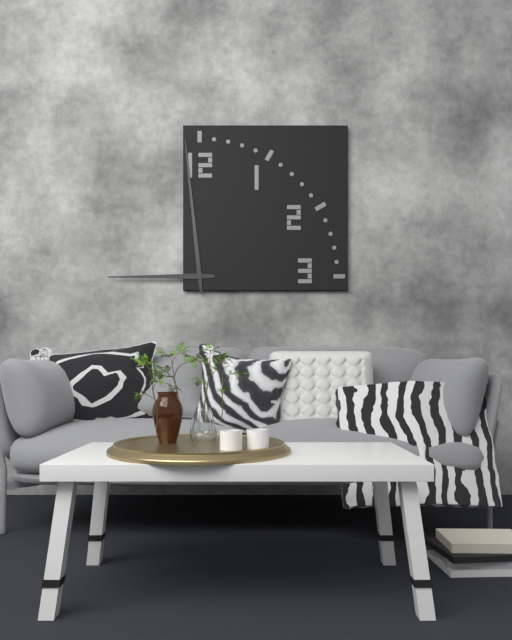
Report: 8.59
